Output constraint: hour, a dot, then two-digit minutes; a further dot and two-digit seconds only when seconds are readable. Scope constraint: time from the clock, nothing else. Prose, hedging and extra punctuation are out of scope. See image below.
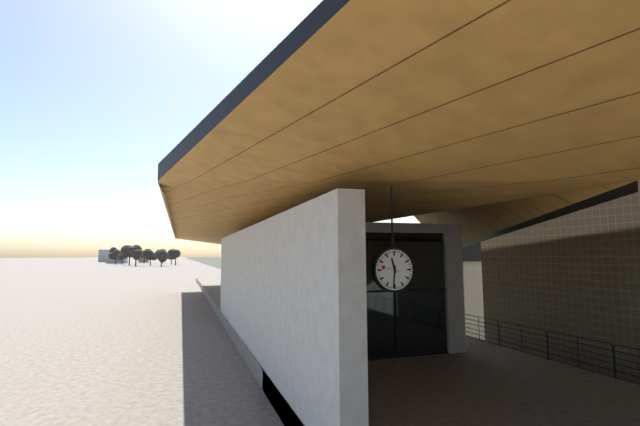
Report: 11.31
